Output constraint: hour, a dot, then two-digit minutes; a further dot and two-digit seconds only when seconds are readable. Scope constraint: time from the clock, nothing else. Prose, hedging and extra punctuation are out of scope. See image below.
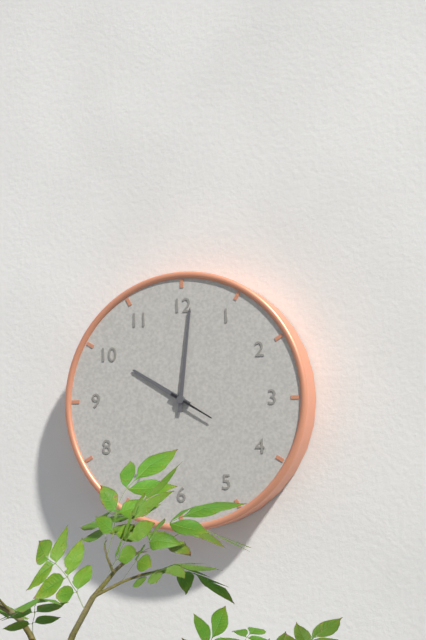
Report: 10.01
